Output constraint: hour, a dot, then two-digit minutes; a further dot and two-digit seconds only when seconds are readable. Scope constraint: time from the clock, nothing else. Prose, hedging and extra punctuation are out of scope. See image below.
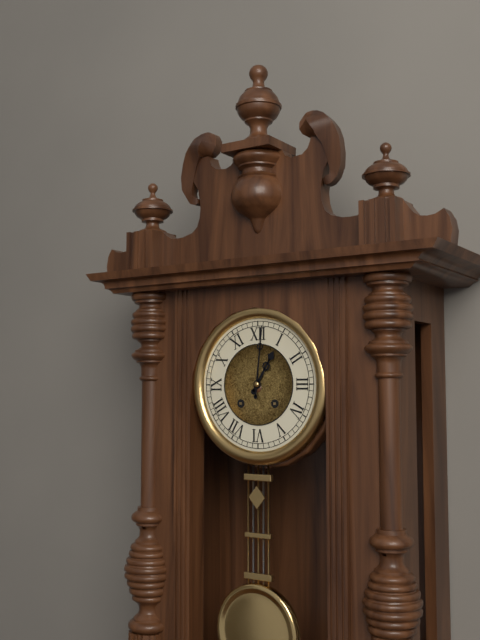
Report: 1.01
